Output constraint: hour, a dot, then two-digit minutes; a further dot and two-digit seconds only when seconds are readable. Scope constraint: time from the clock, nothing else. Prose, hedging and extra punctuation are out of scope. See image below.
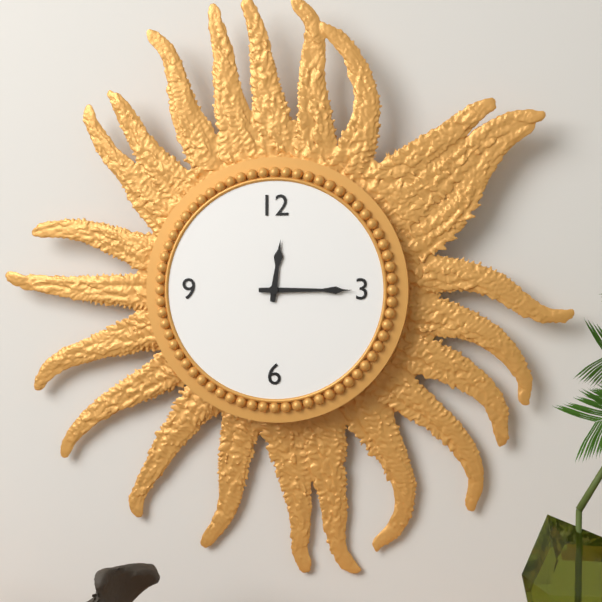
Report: 12.15
